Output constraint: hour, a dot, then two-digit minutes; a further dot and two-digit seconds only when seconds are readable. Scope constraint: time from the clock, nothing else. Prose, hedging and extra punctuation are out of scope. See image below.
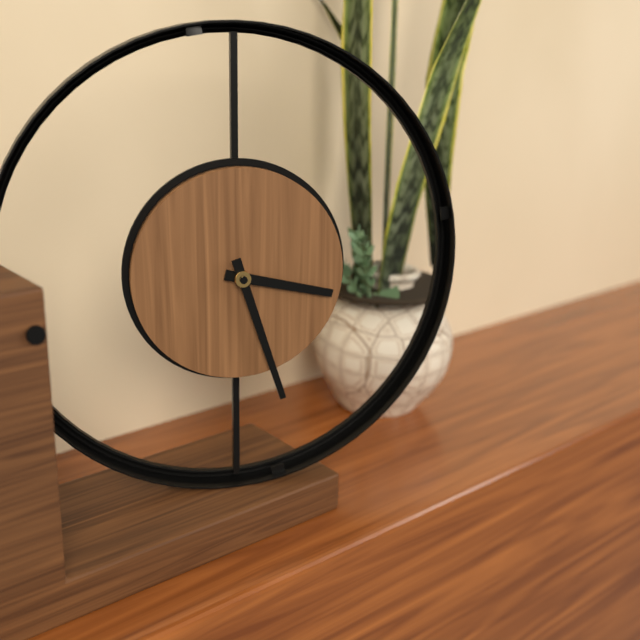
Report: 3.27
